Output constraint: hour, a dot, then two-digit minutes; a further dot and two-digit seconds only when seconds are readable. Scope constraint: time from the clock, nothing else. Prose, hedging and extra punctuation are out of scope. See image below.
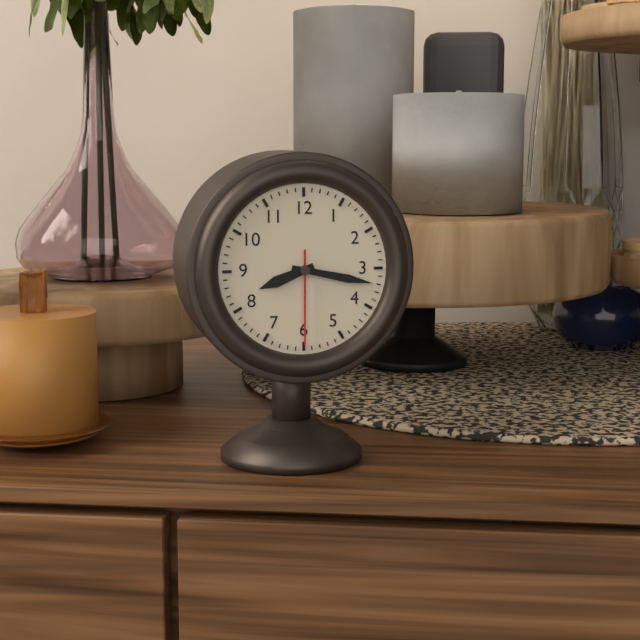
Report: 8.17.30
